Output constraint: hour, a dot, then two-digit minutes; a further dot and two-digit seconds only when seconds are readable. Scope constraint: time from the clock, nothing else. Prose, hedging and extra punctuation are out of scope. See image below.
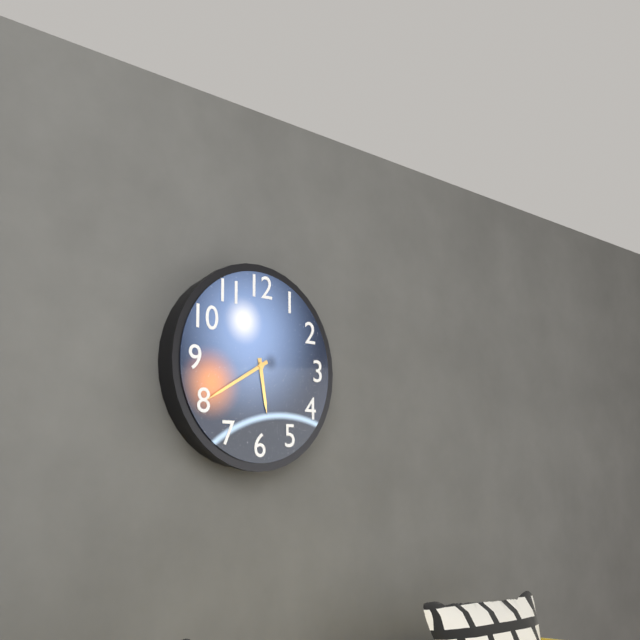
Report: 5.40
